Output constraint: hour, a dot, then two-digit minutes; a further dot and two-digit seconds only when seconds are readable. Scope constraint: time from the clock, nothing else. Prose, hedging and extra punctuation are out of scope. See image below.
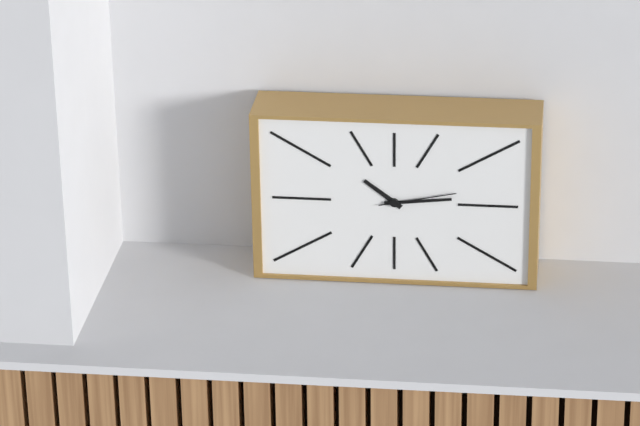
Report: 10.14.13
